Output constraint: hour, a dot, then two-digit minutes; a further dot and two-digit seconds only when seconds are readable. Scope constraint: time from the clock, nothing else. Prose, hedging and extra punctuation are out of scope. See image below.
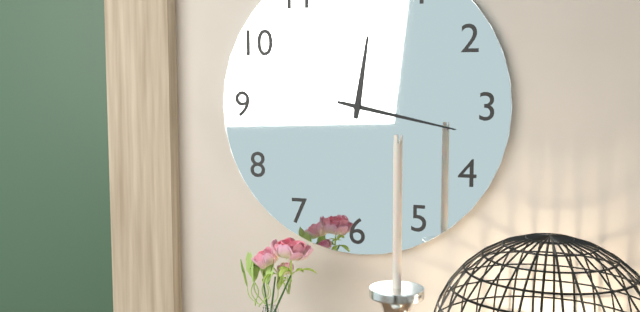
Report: 12.17
